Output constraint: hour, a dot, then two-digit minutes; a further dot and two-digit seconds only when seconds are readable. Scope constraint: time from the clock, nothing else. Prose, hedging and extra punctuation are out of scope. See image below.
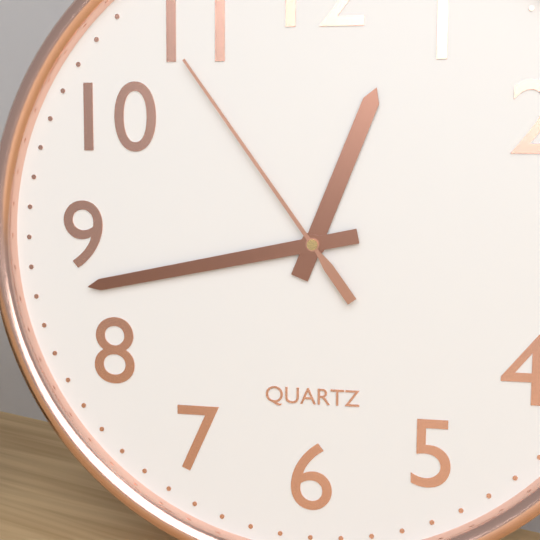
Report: 12.43.54
